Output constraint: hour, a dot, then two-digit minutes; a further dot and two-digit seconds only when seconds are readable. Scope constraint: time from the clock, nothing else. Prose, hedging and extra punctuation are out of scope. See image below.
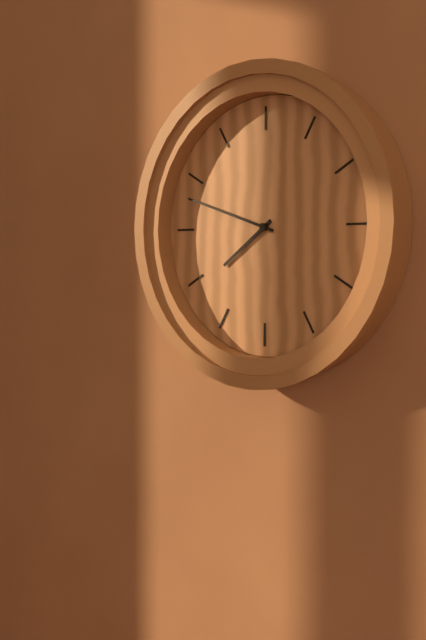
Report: 7.48
